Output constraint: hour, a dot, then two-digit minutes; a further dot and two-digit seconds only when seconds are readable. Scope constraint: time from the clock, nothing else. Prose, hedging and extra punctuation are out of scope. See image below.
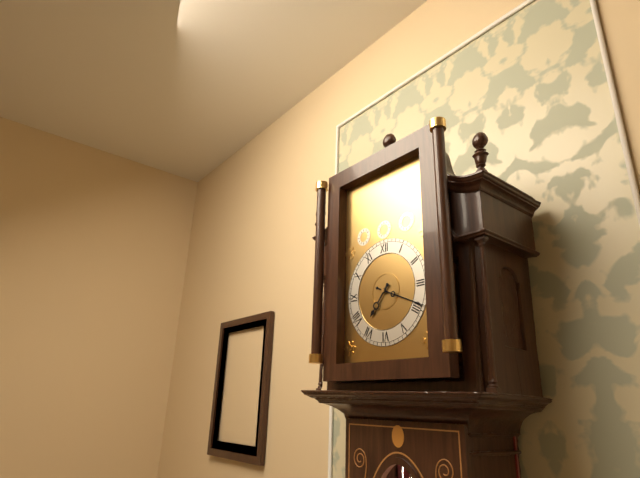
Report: 7.19
